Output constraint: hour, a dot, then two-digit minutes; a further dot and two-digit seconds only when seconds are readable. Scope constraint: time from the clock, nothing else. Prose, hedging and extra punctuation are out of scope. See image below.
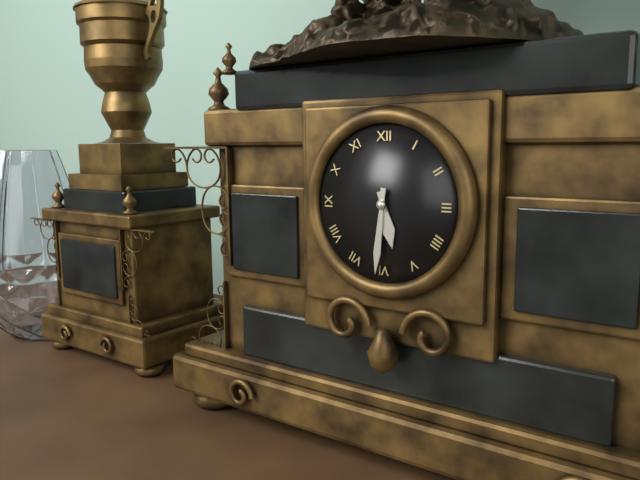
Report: 5.31
